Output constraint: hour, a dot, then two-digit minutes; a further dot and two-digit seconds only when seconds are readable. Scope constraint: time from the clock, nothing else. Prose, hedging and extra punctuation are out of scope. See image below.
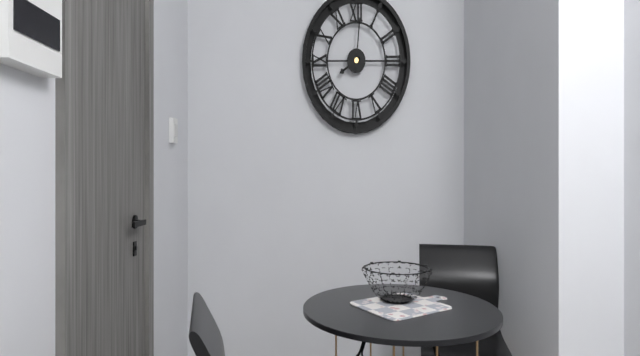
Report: 8.01
